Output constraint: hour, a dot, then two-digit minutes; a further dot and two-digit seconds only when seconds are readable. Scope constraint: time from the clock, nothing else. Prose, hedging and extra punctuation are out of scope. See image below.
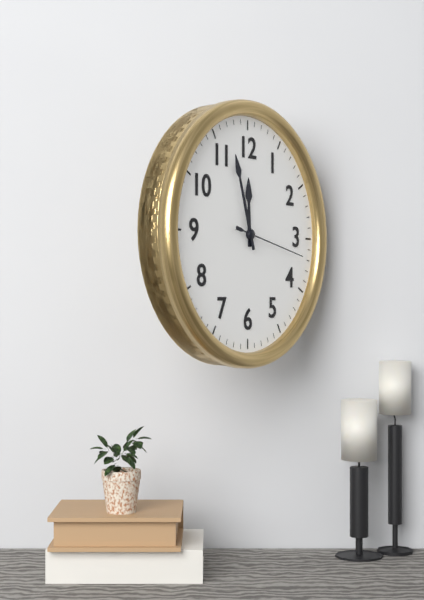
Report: 11.57.17
